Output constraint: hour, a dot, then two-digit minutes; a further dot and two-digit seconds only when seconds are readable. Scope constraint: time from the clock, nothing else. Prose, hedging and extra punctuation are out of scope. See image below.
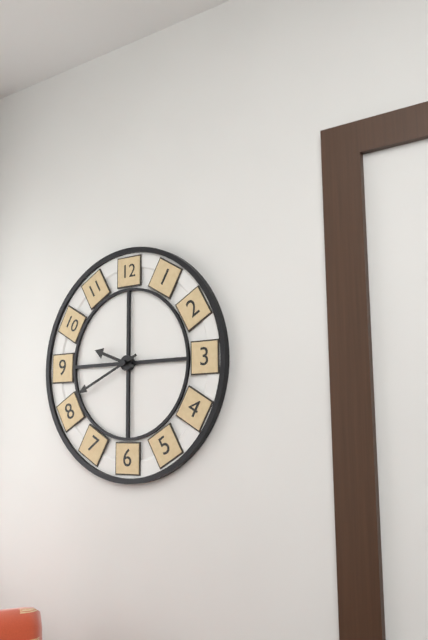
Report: 9.41
